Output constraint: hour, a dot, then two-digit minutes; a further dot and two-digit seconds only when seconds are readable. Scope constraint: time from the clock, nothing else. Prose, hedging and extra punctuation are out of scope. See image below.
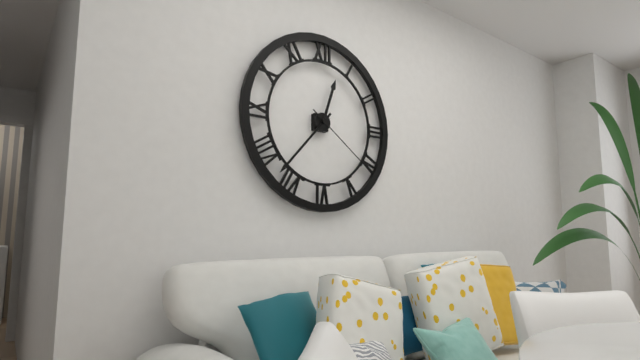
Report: 12.37.21
